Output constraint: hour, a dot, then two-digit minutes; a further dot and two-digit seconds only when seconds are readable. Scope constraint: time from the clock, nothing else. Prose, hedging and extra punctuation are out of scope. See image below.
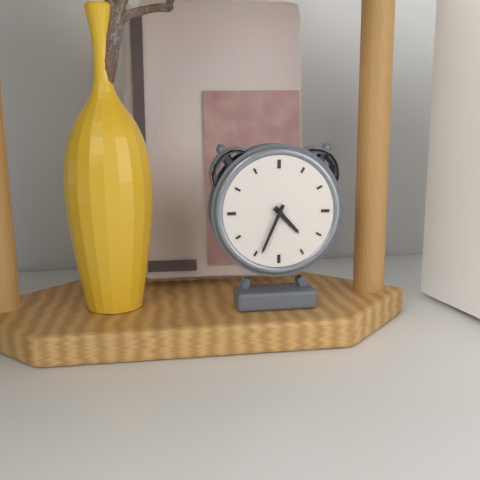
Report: 4.34
